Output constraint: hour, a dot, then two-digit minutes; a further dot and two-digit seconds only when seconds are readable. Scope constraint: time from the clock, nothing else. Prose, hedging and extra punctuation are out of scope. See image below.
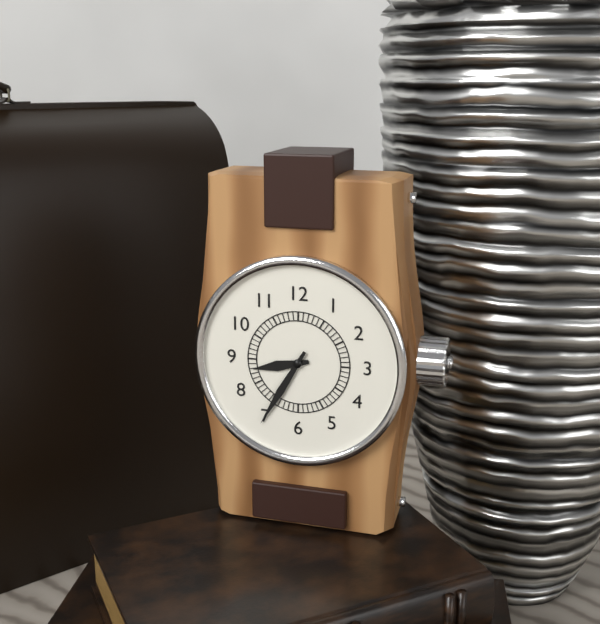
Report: 8.35
